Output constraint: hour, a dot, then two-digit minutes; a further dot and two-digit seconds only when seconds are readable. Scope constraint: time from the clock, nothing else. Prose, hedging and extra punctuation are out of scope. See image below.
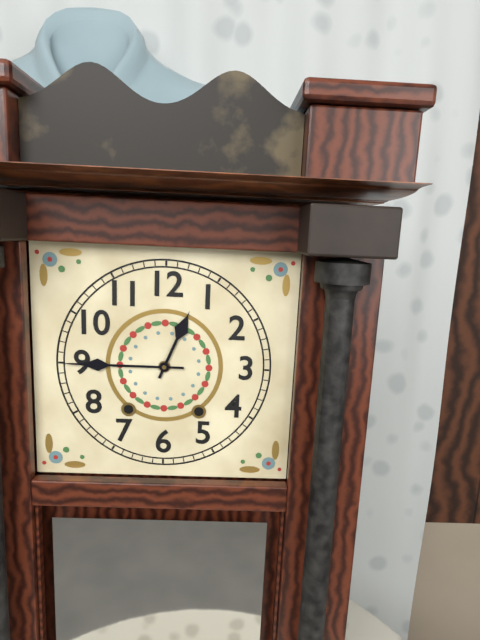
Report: 12.45
